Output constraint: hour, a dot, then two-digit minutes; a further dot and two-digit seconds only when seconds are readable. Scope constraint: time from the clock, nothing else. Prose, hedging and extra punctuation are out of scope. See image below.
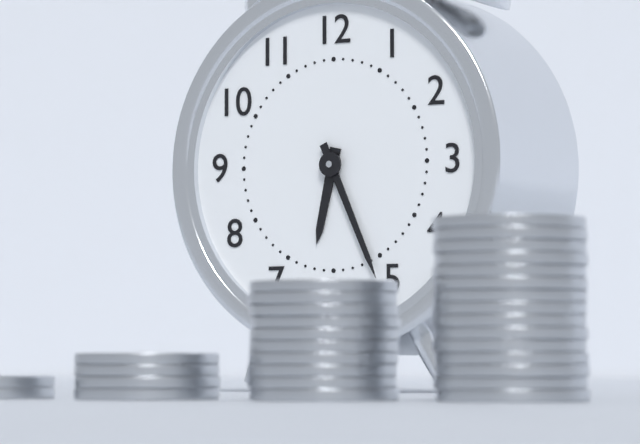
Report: 6.26
